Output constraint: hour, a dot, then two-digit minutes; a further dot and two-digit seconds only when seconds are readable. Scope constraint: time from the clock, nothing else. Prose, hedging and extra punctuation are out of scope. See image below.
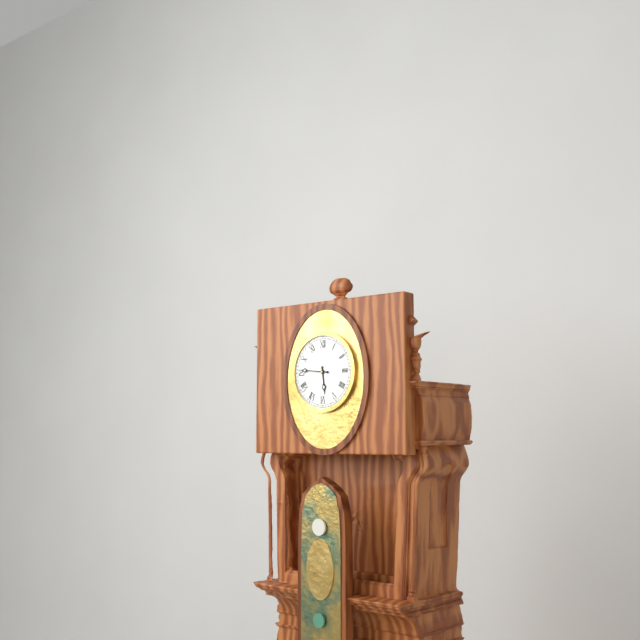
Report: 5.46
